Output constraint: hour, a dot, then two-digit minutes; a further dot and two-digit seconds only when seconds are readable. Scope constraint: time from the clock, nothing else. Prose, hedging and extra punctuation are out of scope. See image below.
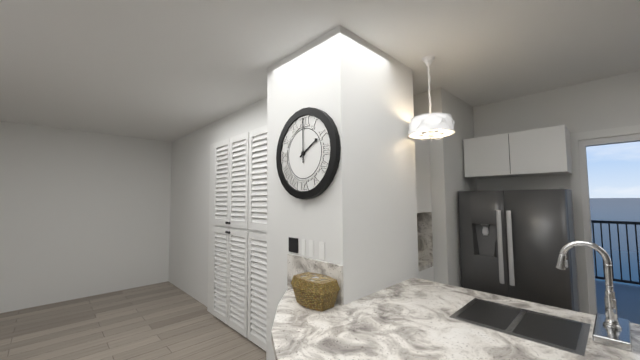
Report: 2.00
